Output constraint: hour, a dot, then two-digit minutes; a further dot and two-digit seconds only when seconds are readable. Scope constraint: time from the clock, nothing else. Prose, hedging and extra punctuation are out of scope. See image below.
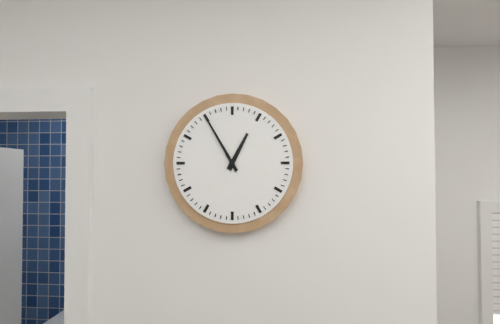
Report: 12.55
